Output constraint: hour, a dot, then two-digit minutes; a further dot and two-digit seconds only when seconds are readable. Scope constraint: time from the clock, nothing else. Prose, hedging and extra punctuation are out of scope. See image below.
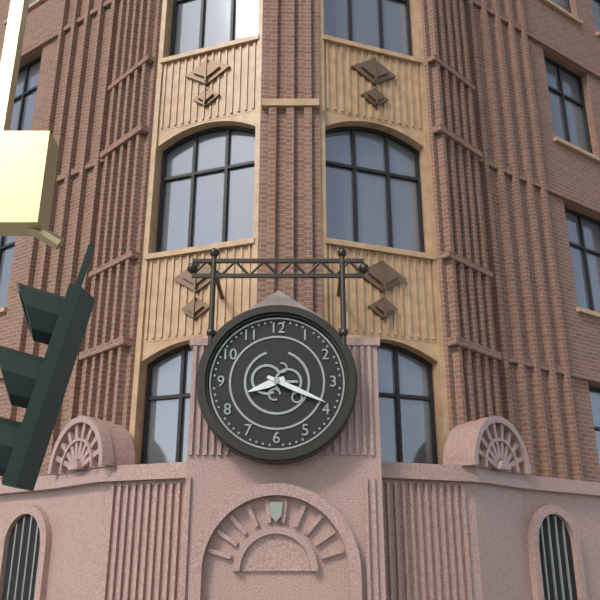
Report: 8.19
